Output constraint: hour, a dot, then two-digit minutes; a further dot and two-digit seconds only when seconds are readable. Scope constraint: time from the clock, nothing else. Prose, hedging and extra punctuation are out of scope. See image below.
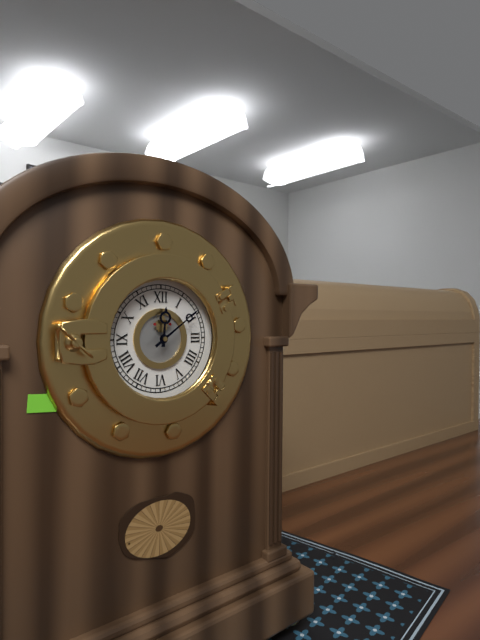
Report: 12.09
